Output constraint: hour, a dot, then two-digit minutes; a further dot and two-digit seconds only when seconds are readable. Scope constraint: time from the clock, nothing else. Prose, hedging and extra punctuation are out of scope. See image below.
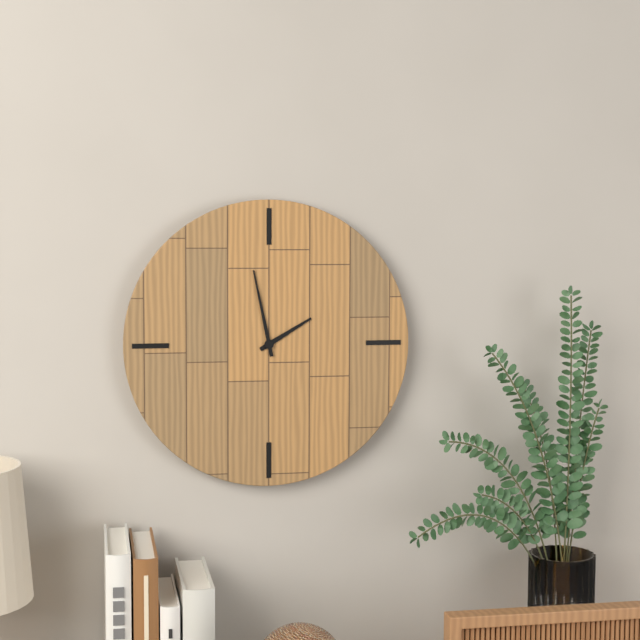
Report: 1.58
